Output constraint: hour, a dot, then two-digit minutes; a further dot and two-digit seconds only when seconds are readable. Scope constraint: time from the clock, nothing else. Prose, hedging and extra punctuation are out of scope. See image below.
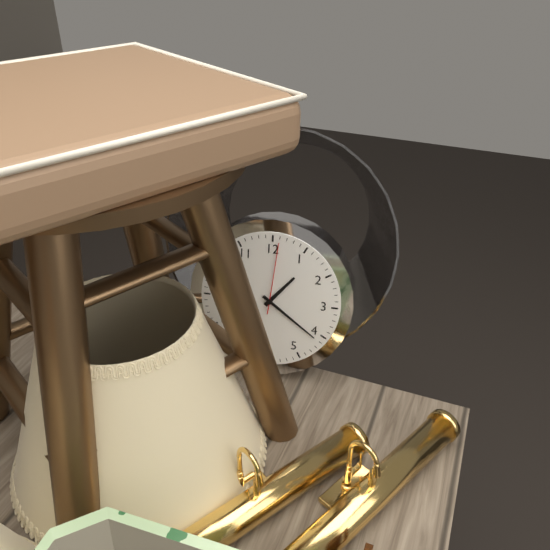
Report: 1.21.01
